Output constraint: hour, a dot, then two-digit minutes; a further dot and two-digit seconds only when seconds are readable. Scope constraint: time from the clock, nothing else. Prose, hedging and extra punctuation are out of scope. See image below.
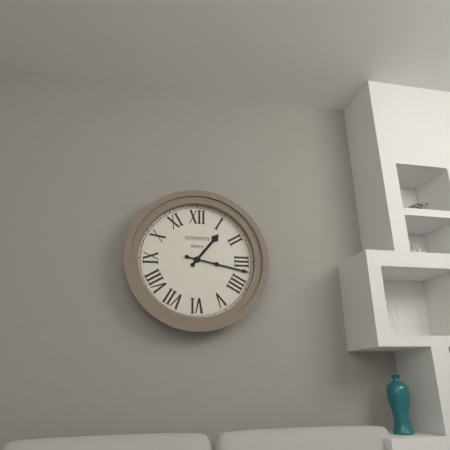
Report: 1.17
